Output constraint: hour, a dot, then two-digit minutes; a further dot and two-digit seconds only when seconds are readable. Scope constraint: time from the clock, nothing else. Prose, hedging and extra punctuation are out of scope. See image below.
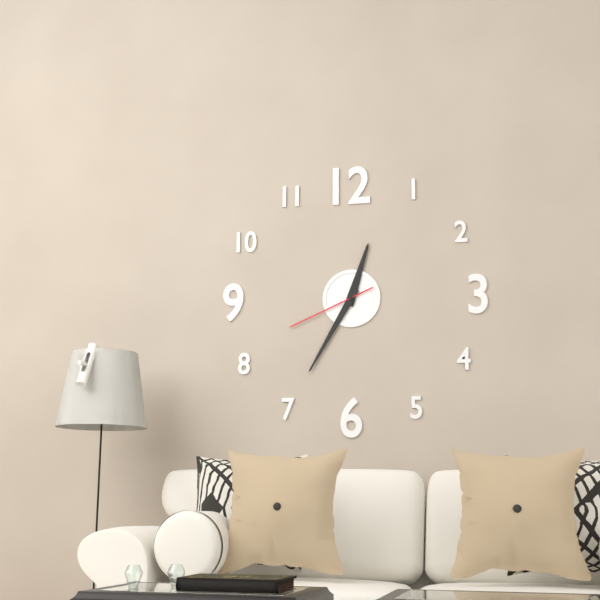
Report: 12.35.41
